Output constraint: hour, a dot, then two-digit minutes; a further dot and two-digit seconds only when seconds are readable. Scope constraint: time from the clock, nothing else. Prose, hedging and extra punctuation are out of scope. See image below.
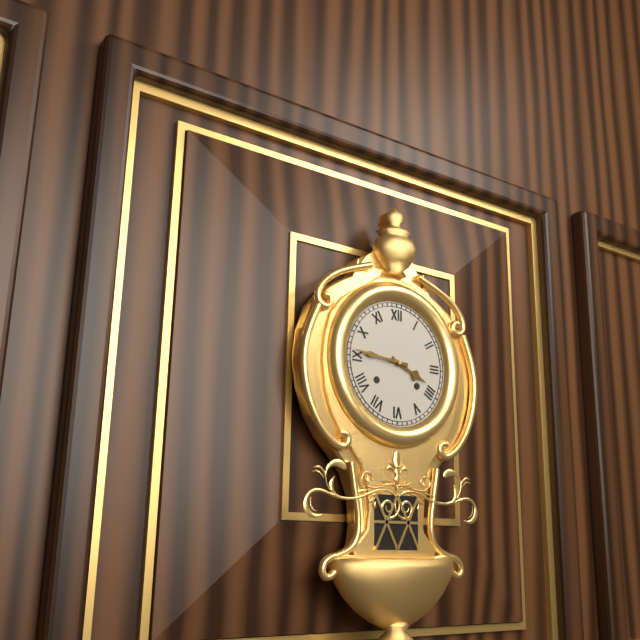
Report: 3.46
